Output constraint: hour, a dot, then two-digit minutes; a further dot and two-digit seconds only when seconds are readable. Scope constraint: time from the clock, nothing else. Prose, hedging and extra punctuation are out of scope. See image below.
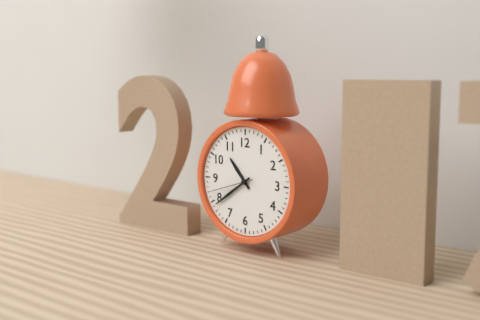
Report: 10.39
